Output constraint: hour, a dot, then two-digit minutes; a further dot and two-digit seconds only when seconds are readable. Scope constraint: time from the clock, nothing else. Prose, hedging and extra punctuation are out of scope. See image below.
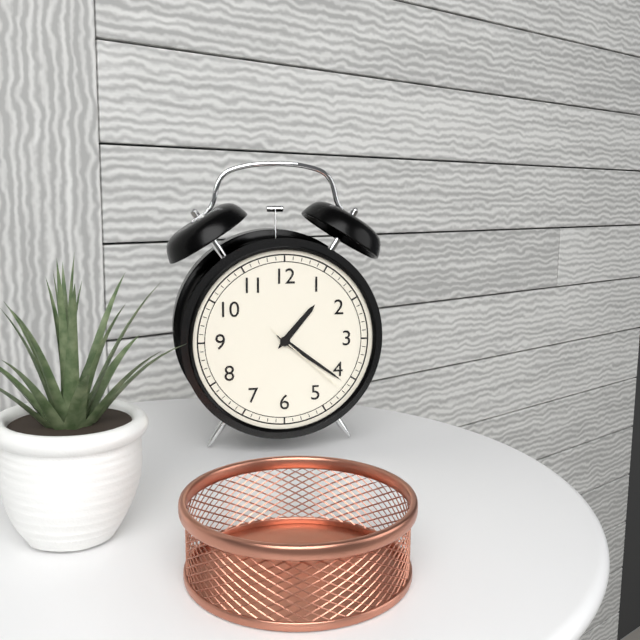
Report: 1.21.22
